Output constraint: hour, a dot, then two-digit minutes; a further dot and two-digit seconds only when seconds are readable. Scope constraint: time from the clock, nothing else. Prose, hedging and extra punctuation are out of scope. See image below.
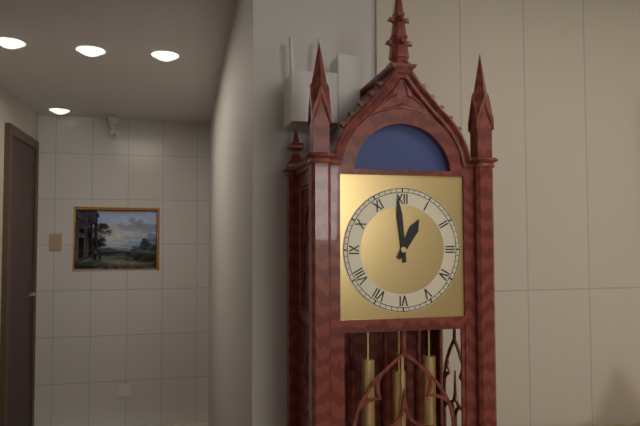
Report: 12.59
